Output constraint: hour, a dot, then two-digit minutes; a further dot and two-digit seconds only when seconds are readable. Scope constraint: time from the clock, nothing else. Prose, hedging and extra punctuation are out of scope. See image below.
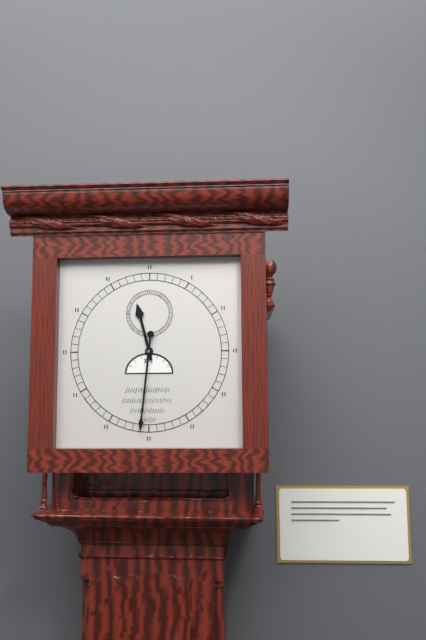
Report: 11.31
